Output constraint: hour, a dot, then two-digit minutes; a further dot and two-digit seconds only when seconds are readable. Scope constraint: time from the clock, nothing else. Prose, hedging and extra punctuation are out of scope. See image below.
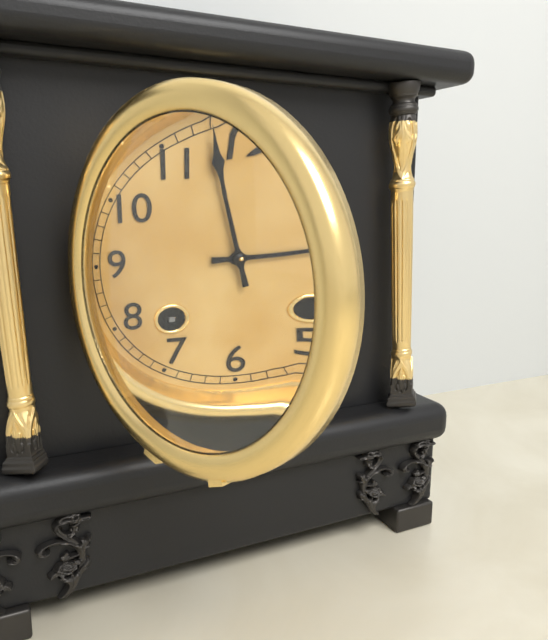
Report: 2.58
